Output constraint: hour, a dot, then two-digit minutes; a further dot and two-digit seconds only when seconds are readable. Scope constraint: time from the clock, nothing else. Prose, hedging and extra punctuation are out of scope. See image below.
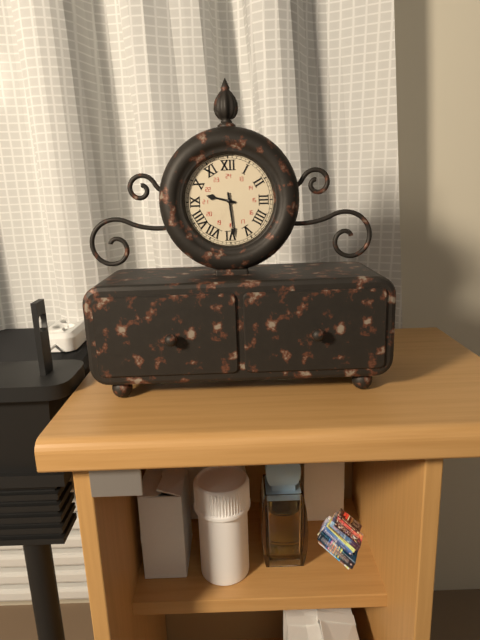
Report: 9.29
